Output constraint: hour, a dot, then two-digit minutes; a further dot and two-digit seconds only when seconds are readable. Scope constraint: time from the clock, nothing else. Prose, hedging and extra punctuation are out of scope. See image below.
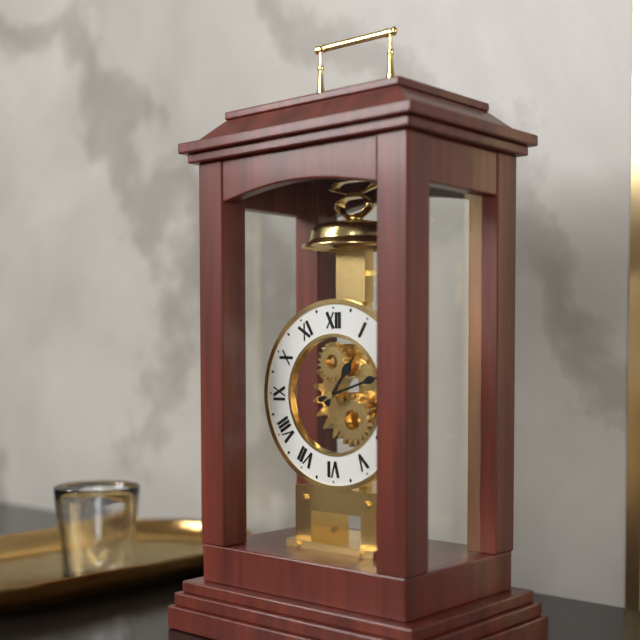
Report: 1.12
